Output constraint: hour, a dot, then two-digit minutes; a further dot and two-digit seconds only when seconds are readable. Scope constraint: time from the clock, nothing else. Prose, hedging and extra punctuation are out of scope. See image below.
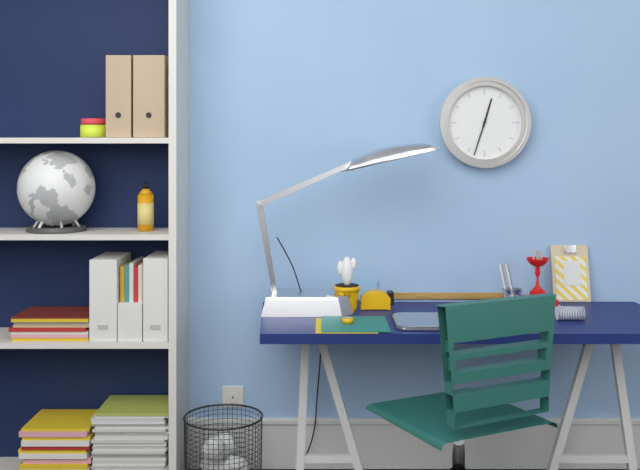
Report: 12.33
